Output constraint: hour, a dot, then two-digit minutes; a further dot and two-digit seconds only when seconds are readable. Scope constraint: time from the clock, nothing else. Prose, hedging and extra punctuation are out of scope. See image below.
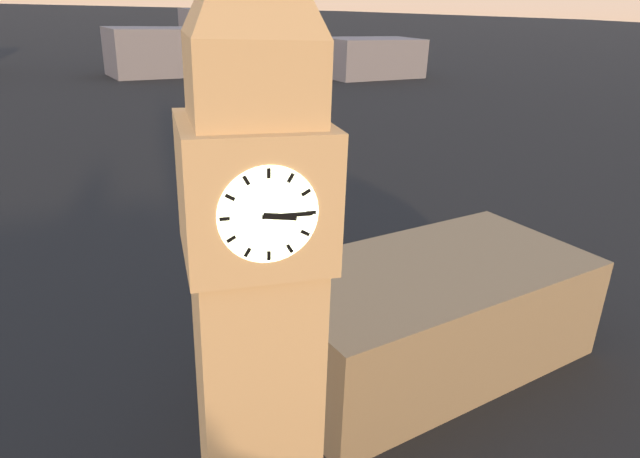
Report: 3.15
